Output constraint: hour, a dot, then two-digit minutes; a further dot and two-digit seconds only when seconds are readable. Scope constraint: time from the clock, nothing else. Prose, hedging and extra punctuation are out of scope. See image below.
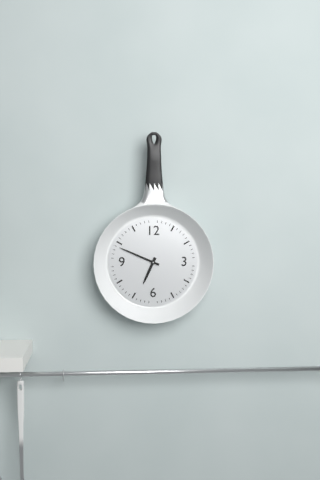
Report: 6.49
